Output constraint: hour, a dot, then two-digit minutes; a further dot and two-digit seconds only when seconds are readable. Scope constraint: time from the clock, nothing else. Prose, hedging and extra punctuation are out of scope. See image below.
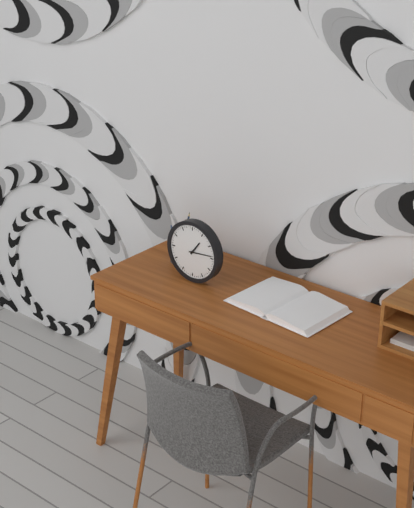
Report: 1.14
